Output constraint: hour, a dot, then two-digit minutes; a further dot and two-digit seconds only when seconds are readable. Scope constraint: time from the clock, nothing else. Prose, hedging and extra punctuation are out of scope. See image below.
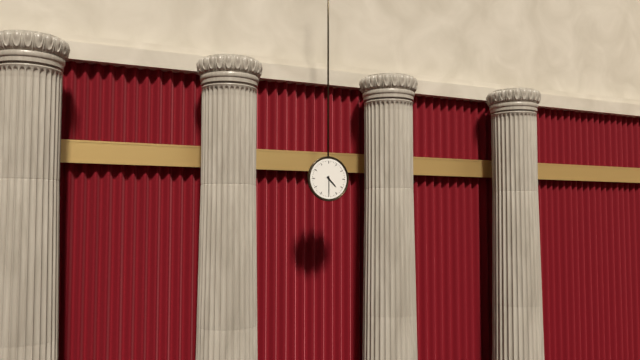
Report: 4.30
